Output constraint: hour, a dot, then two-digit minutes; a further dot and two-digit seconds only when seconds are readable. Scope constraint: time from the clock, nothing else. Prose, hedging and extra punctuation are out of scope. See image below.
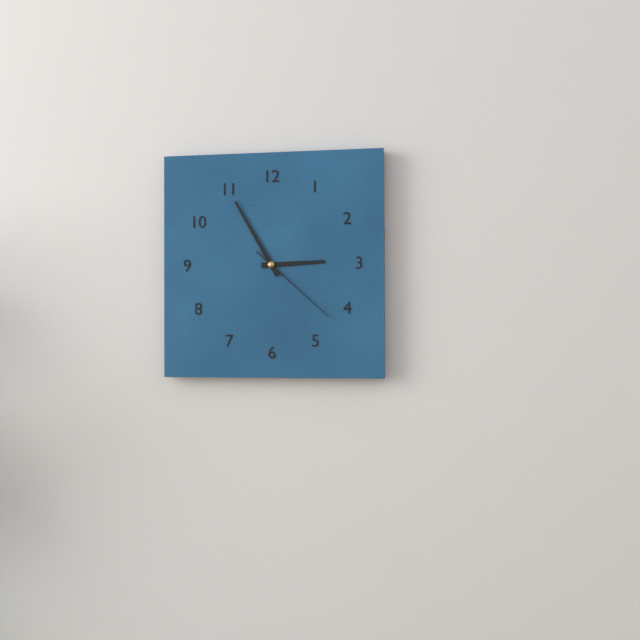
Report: 2.55.22
